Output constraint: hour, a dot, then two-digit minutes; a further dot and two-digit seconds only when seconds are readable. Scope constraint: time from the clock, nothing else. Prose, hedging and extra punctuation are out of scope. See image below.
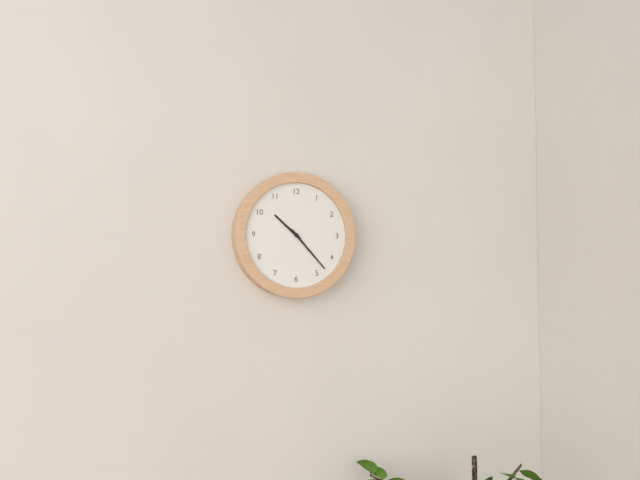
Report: 10.23
